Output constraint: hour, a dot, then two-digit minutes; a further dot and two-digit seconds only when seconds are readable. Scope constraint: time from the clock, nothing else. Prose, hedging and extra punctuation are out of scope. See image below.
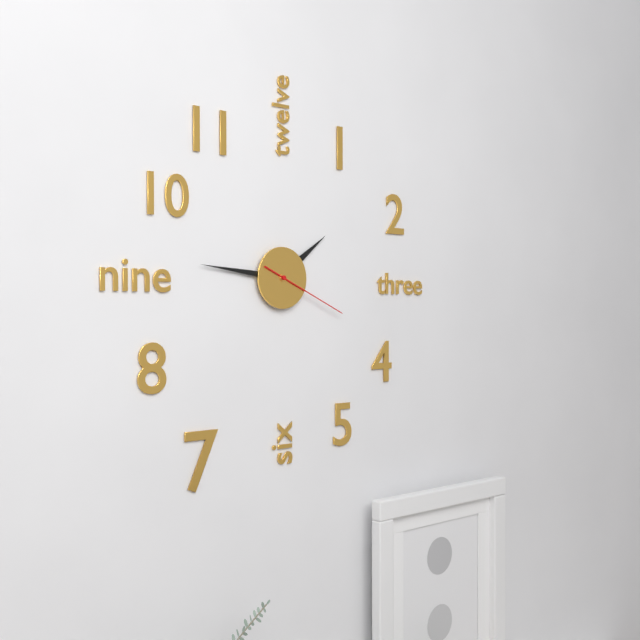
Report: 1.46.19
